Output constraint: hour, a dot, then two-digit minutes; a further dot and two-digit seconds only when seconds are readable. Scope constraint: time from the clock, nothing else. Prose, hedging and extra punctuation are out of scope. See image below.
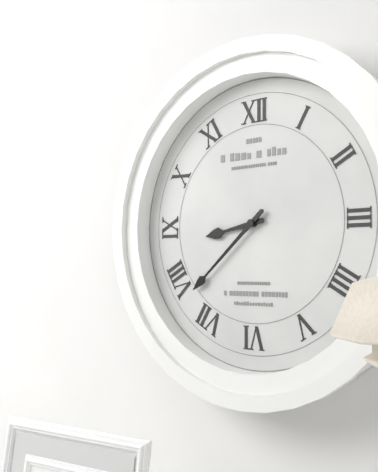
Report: 8.38
